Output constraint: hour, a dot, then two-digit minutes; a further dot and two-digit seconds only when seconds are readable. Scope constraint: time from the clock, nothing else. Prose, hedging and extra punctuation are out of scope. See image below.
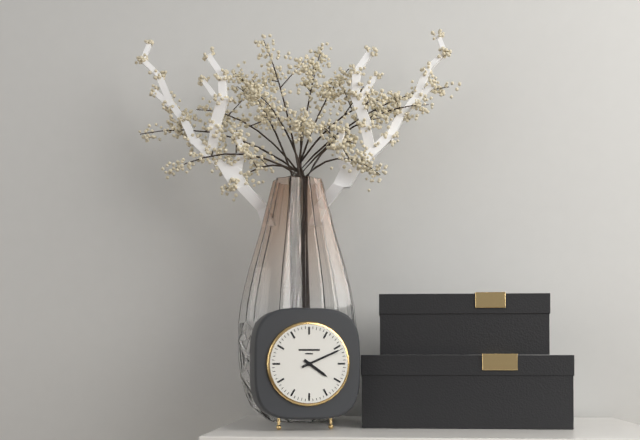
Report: 4.11
